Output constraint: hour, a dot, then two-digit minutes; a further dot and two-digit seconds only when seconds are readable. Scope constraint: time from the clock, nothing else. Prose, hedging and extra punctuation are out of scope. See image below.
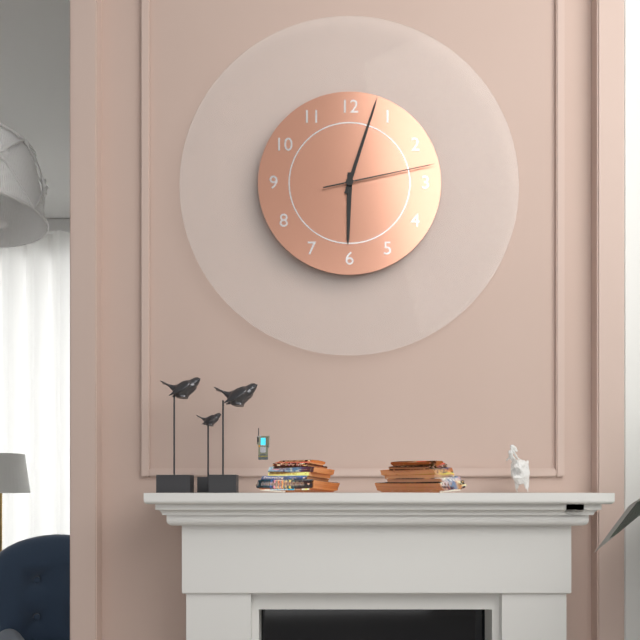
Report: 6.03.13
